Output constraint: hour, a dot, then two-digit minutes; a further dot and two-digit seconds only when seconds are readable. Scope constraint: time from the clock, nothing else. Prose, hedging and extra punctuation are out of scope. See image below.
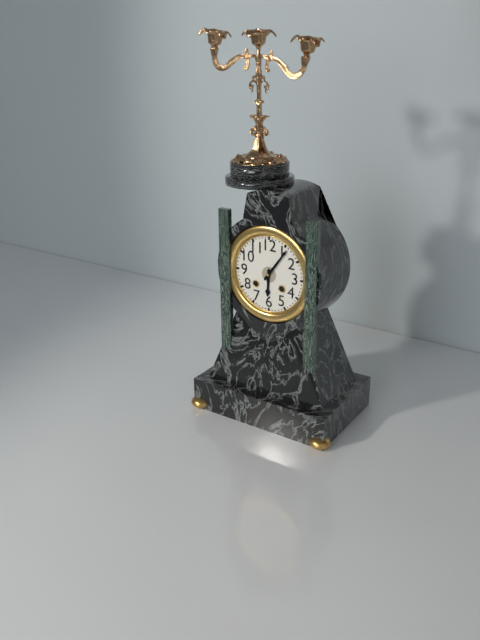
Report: 6.06
